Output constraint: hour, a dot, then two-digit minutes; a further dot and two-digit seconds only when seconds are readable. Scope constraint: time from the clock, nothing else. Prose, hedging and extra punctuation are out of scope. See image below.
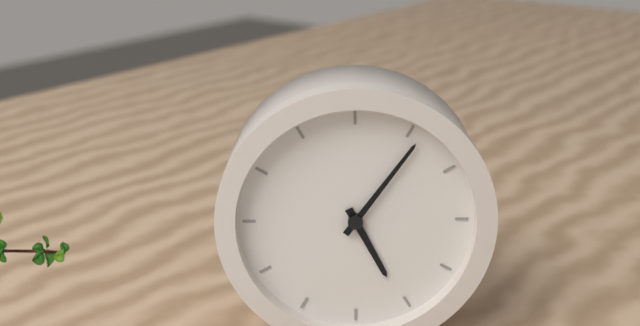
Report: 5.06
